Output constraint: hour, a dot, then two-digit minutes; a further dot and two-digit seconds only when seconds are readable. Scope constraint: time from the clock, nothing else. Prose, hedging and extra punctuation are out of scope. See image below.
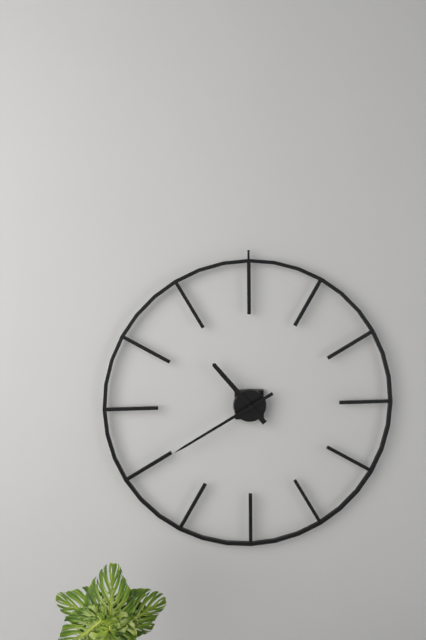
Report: 10.40
